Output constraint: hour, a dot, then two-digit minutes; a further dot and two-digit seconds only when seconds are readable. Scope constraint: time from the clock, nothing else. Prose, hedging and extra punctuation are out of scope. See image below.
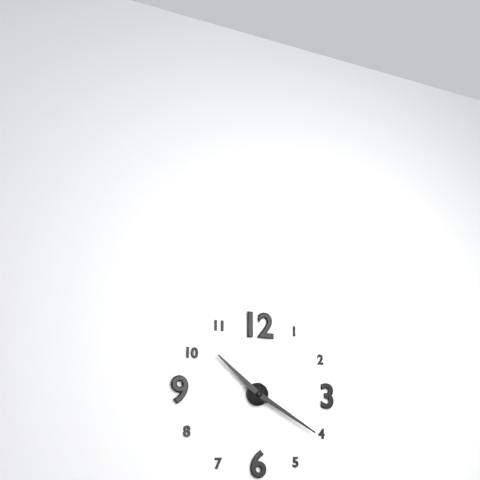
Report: 10.20
